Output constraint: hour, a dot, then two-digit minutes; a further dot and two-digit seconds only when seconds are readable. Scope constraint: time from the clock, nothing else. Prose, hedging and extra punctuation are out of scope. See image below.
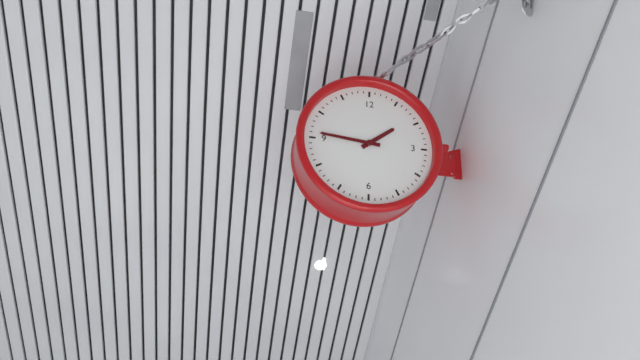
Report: 1.46
